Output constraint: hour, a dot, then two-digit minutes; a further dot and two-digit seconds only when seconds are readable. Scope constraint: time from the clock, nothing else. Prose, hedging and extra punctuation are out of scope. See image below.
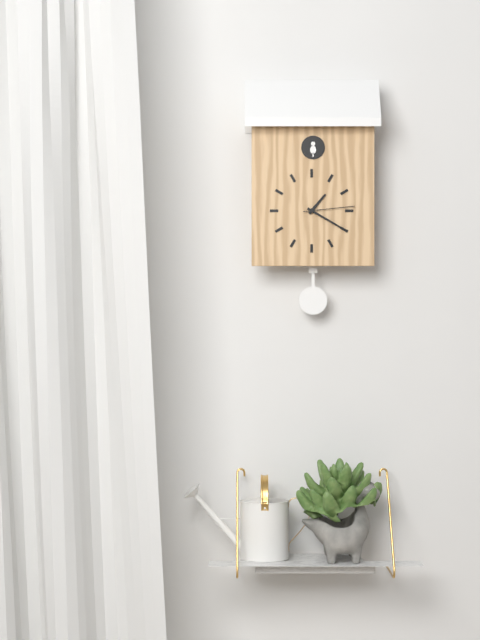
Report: 1.20.14
